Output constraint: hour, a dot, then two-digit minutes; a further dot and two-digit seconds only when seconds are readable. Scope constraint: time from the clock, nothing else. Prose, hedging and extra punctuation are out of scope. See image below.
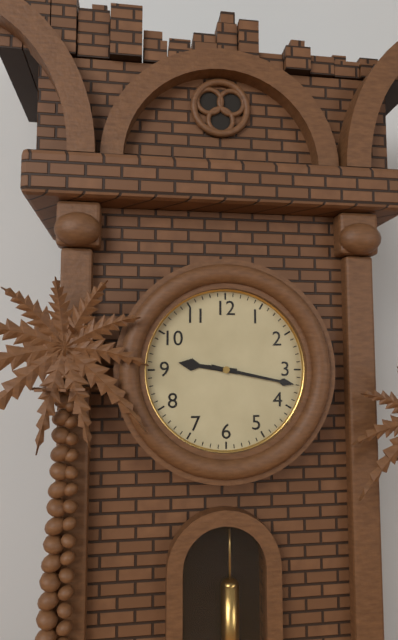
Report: 9.17
